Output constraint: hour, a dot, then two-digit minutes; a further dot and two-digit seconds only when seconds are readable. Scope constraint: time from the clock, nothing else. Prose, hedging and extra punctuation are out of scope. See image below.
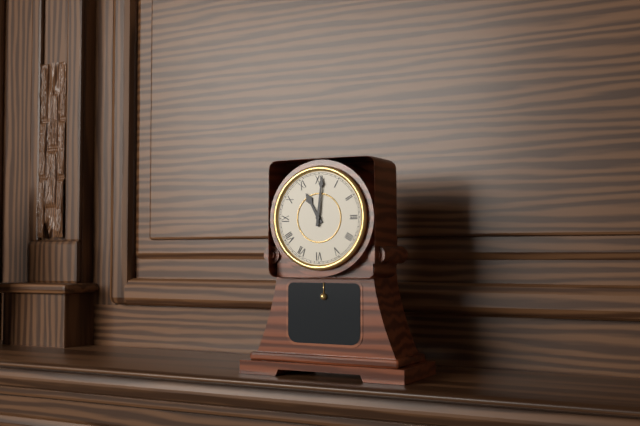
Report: 11.01
